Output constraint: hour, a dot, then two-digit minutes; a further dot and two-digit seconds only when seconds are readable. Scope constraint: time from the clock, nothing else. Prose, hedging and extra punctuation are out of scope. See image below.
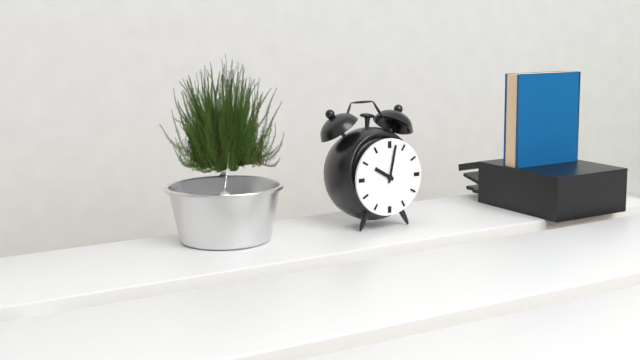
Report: 10.02
